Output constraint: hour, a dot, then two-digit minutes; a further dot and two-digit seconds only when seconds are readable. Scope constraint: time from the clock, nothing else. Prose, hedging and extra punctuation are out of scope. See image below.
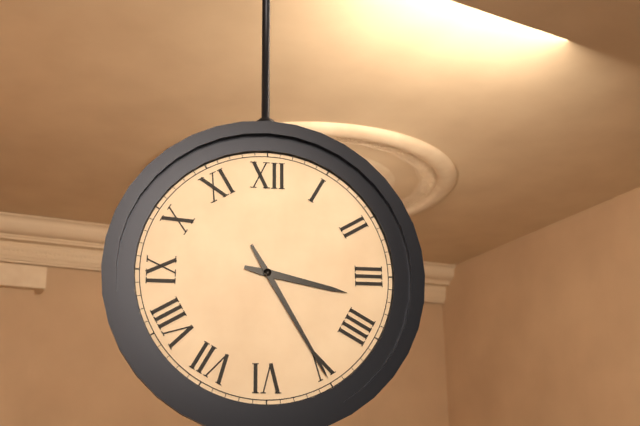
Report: 3.25
